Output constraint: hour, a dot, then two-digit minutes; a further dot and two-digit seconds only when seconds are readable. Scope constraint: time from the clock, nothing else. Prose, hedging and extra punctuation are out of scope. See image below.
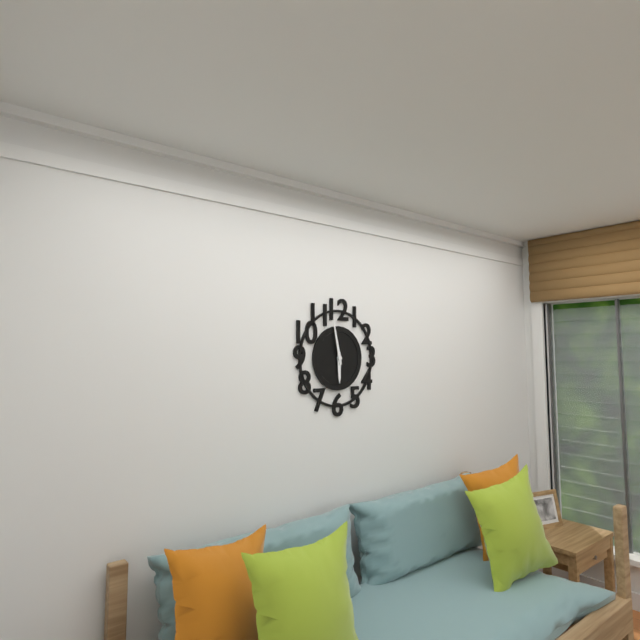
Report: 5.58
